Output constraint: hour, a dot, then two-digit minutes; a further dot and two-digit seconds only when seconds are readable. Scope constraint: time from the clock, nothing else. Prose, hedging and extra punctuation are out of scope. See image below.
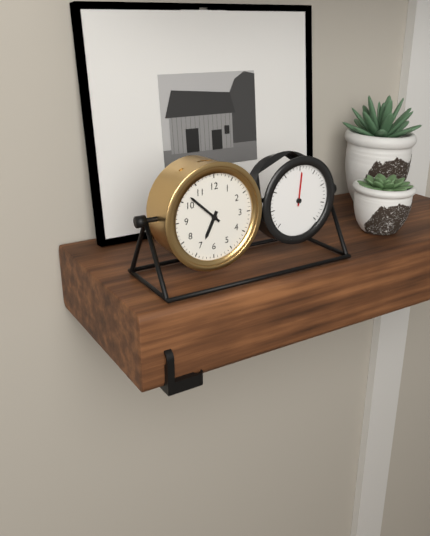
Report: 6.52
